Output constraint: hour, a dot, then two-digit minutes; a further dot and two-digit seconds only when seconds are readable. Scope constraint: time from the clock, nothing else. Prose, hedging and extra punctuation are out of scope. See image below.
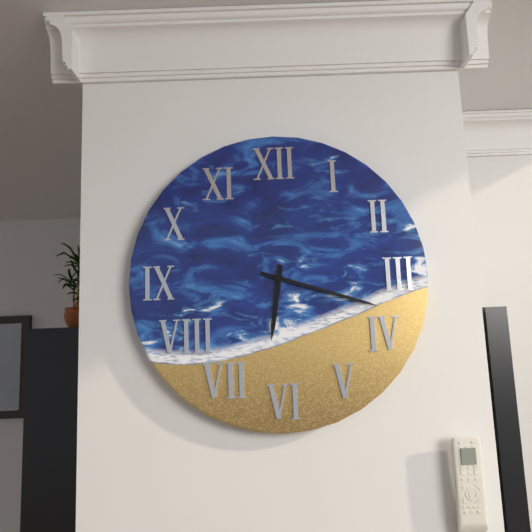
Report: 6.18
